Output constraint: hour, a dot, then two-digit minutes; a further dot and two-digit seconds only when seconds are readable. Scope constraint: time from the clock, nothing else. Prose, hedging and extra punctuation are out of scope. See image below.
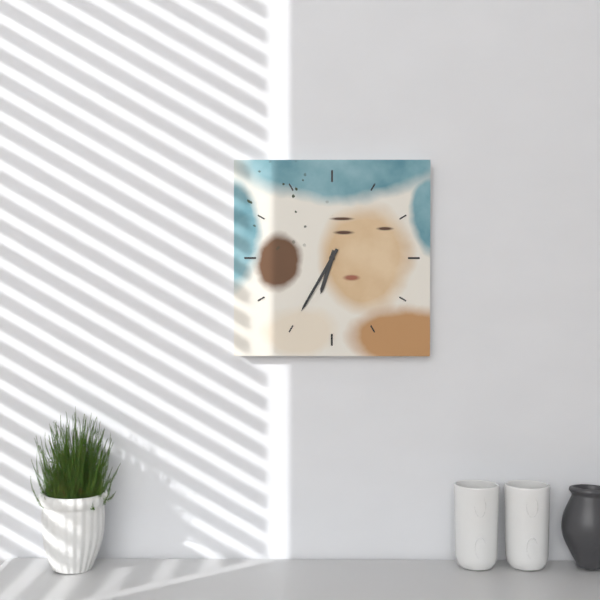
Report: 6.35
